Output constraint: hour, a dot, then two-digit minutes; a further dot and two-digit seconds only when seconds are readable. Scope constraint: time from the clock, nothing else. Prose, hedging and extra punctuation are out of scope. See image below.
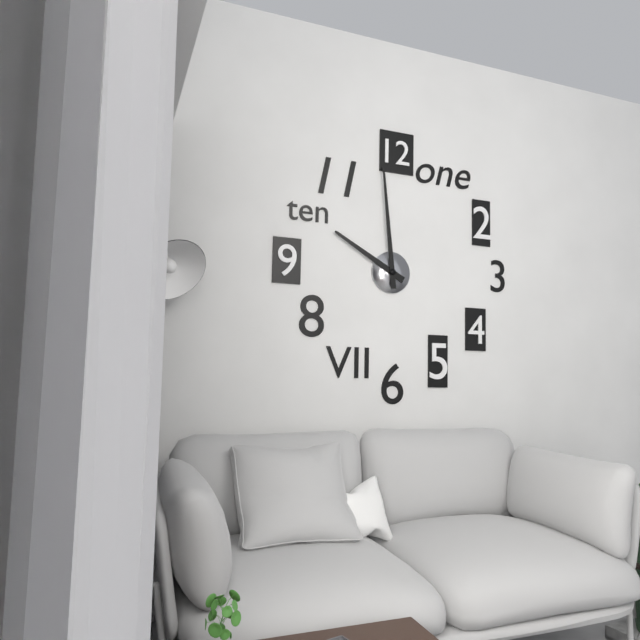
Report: 9.59
